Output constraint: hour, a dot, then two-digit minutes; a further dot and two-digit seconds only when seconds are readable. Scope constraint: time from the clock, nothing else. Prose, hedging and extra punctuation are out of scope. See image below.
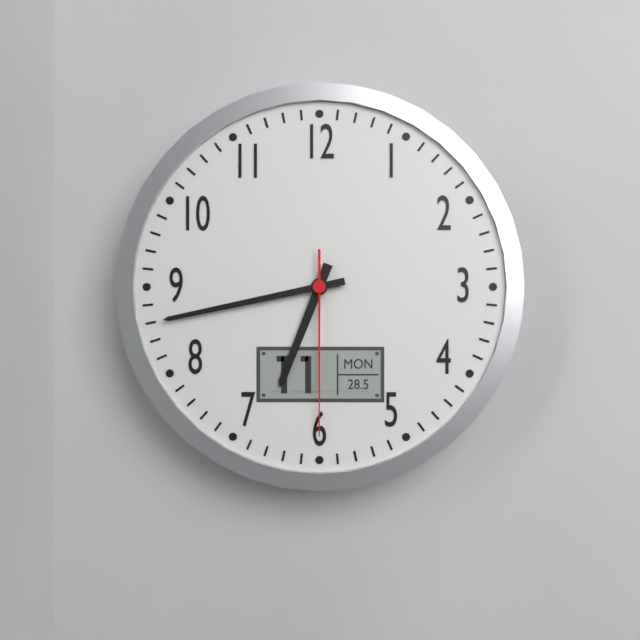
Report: 6.43.30
